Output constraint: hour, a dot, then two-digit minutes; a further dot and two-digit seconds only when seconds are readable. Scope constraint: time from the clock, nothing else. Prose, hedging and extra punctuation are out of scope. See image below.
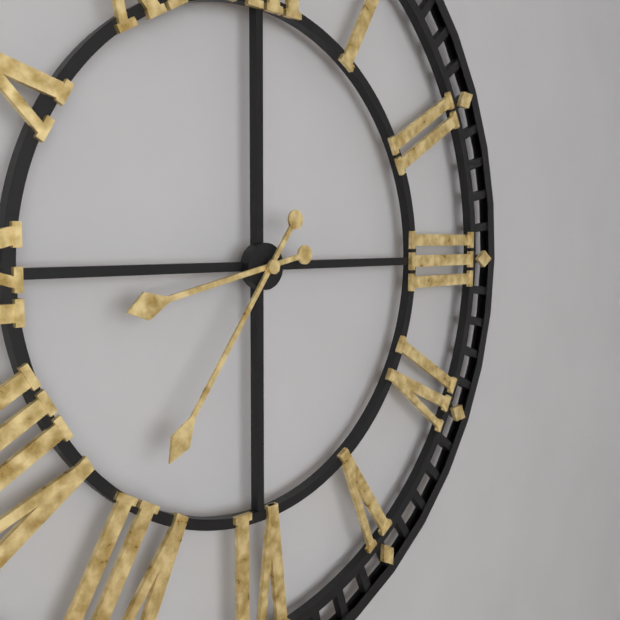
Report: 8.36
